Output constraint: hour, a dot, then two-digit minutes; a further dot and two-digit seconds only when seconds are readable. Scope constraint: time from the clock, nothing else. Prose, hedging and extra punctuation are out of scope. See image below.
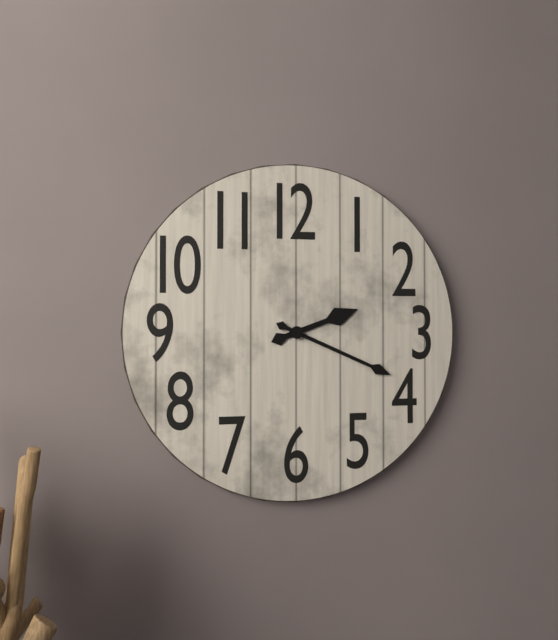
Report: 2.19
